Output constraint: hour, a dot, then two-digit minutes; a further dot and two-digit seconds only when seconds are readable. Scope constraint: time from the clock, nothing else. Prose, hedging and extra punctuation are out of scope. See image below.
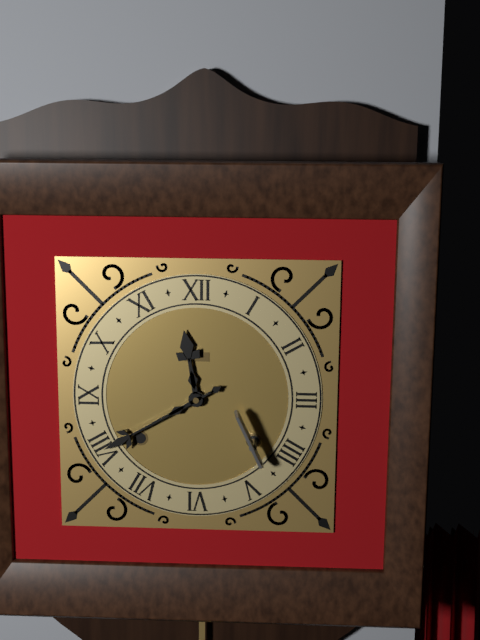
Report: 11.40
